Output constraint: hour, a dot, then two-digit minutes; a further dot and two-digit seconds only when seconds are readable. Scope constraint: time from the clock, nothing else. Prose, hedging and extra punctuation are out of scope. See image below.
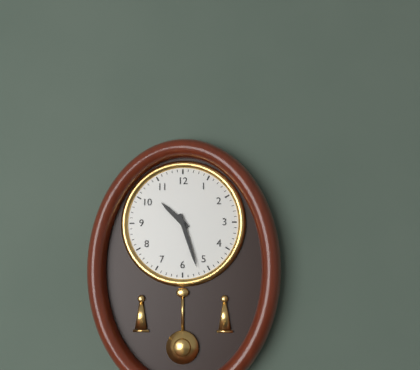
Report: 10.27
